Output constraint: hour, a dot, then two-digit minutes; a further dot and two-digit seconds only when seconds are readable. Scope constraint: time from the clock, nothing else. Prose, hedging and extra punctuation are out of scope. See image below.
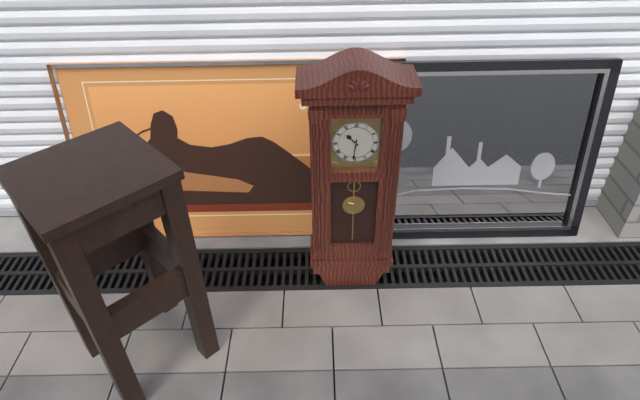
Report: 10.31
